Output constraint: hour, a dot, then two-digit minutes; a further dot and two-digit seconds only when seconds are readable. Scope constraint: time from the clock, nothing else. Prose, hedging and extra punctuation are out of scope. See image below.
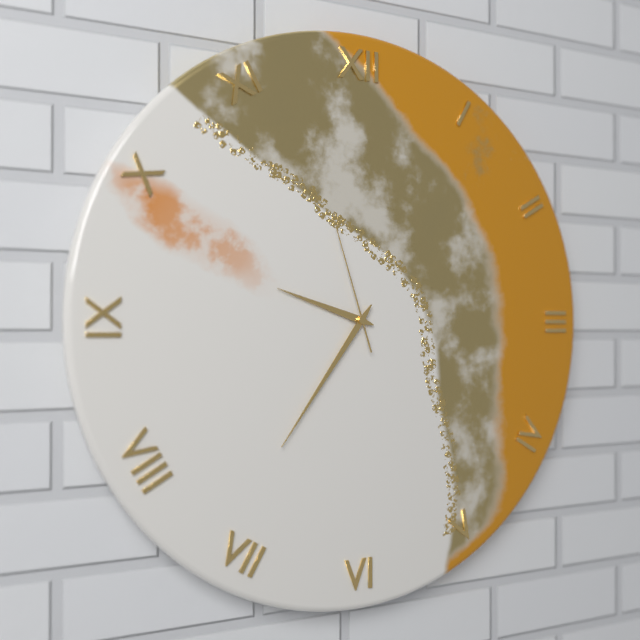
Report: 9.36.57
